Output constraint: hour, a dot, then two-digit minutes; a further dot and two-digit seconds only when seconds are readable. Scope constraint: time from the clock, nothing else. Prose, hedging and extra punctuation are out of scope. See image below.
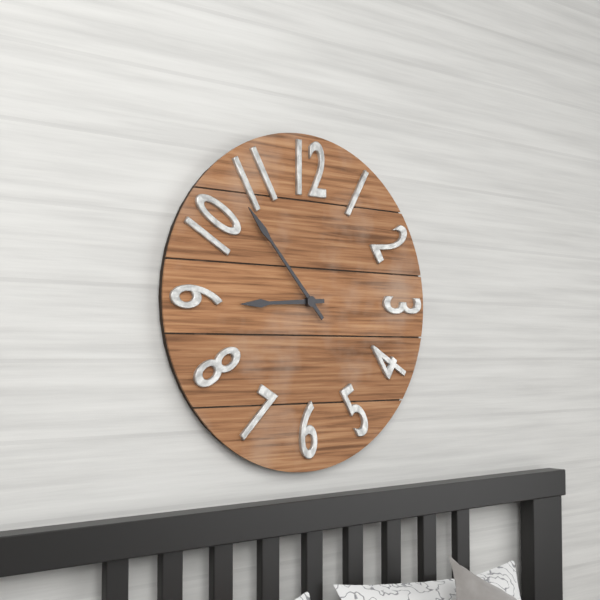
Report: 8.53
